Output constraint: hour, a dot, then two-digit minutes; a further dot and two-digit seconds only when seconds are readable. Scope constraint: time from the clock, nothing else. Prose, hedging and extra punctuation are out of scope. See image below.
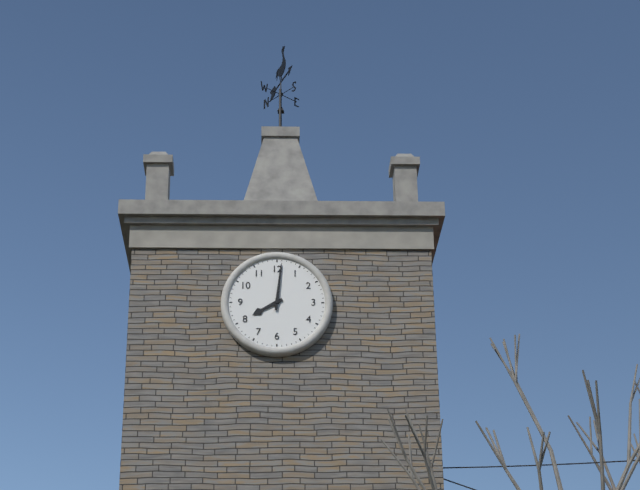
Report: 8.01
